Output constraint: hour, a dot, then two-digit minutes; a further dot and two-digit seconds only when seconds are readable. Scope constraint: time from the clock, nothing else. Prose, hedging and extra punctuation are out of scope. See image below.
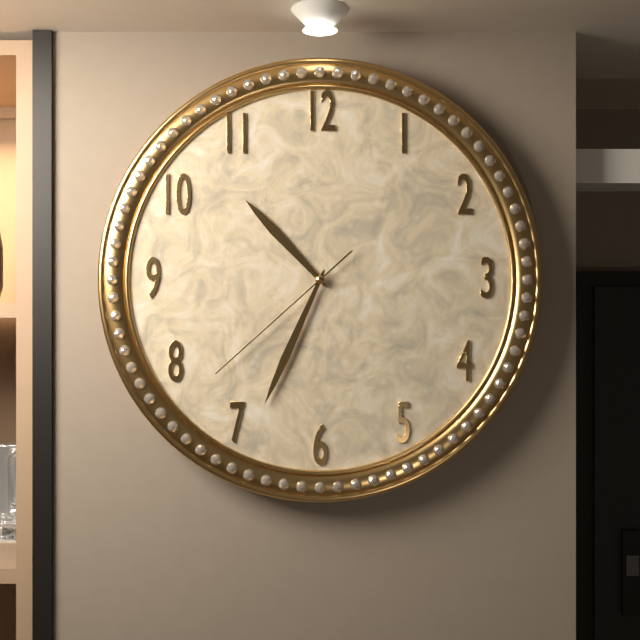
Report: 10.34.38
